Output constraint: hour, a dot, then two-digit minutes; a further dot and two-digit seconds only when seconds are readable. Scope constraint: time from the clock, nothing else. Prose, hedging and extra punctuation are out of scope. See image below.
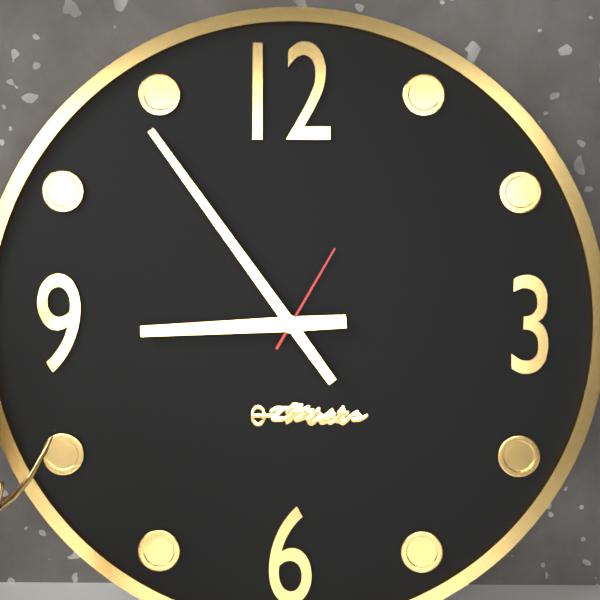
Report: 8.54.05
